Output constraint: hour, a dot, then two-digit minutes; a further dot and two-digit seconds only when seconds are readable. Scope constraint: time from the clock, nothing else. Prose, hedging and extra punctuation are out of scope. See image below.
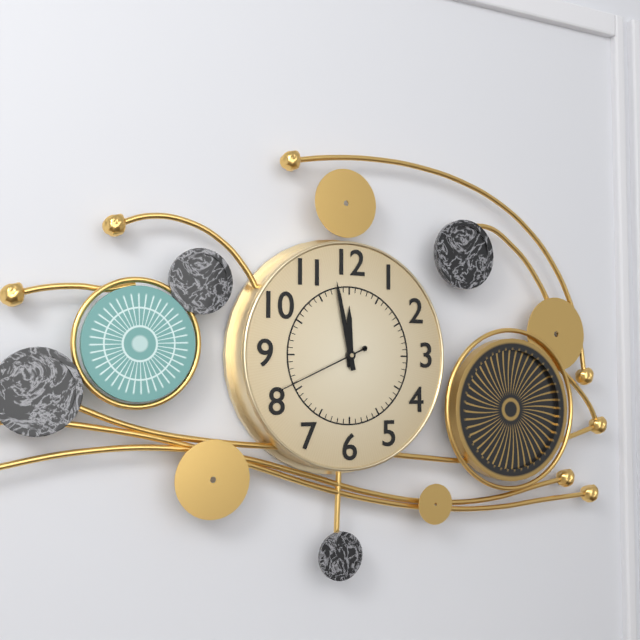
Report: 11.58.41
